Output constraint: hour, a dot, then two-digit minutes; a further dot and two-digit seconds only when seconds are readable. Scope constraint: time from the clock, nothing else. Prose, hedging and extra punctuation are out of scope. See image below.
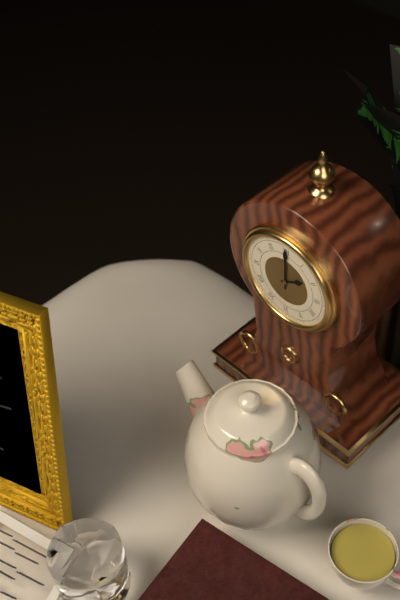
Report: 2.00
